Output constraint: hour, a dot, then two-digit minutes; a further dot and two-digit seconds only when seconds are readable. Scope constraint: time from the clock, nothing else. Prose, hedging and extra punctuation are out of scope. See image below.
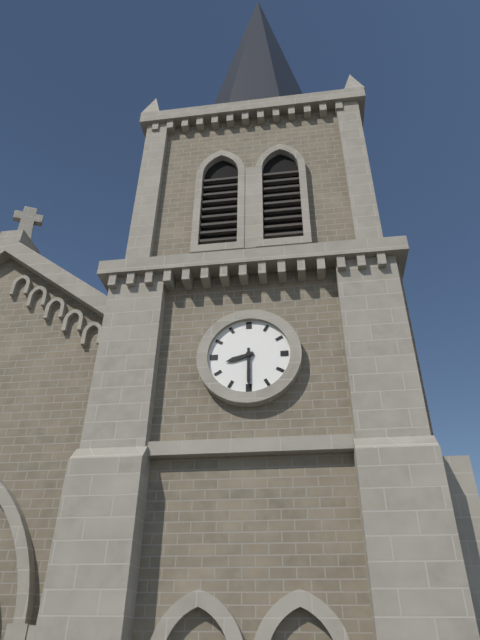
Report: 8.30
